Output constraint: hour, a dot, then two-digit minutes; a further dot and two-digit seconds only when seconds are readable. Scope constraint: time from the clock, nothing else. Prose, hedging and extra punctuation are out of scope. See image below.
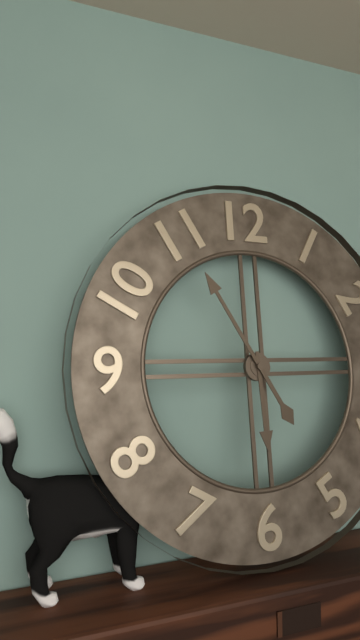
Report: 5.55
